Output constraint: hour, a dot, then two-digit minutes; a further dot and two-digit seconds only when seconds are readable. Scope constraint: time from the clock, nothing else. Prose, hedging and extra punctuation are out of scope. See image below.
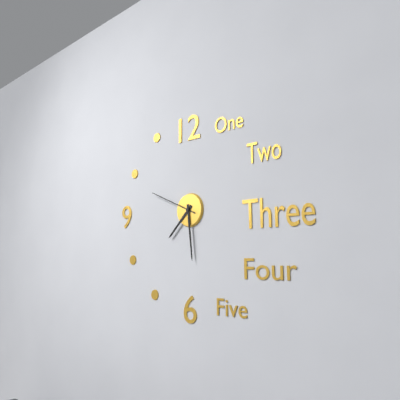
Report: 7.29
